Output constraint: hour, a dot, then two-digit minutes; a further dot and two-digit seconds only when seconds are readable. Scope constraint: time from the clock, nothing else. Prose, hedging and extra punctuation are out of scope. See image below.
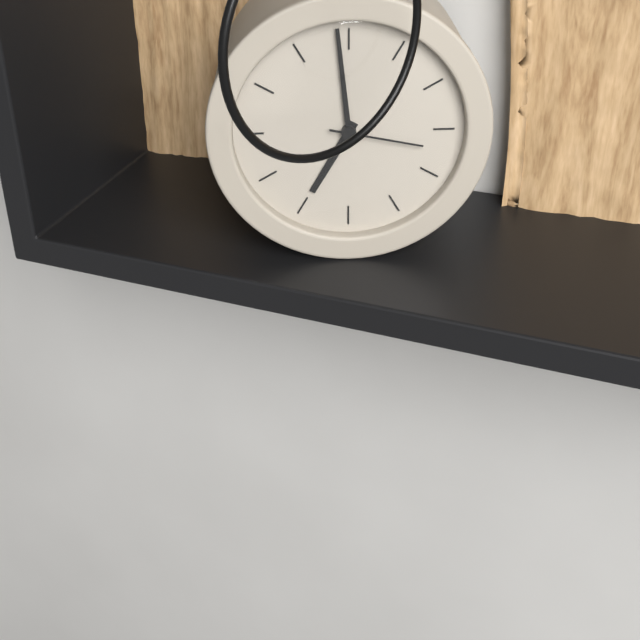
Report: 6.59.17
